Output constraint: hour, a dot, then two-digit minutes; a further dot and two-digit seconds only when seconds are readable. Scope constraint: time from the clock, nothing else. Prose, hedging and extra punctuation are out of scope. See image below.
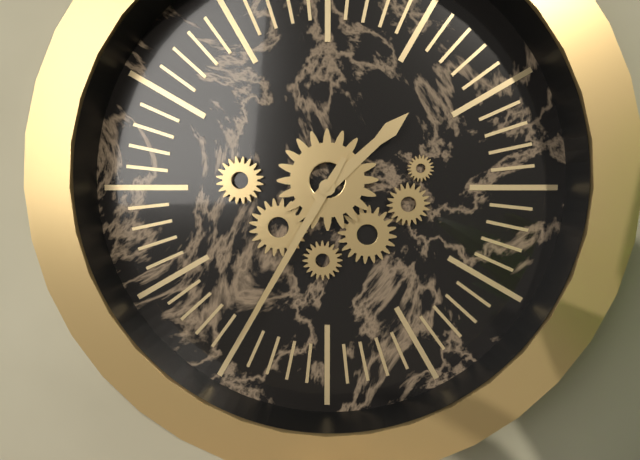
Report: 1.35
